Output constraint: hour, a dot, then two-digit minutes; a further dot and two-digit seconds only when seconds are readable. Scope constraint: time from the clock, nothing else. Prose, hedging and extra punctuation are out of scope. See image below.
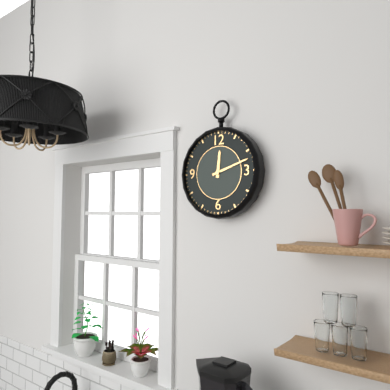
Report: 12.12
